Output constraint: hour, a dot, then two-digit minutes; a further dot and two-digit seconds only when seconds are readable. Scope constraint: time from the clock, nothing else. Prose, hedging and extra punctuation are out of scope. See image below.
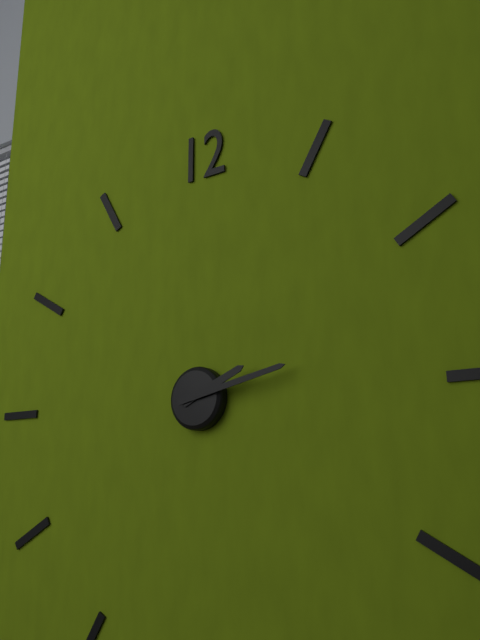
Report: 2.13
